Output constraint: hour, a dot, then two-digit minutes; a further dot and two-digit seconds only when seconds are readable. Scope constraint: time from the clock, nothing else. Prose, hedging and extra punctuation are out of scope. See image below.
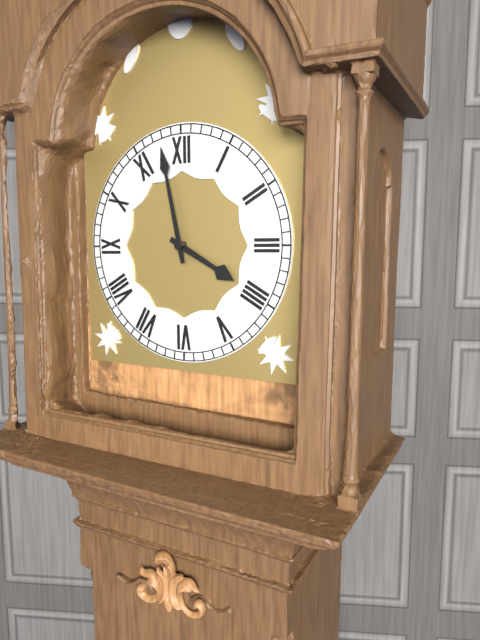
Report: 3.58
